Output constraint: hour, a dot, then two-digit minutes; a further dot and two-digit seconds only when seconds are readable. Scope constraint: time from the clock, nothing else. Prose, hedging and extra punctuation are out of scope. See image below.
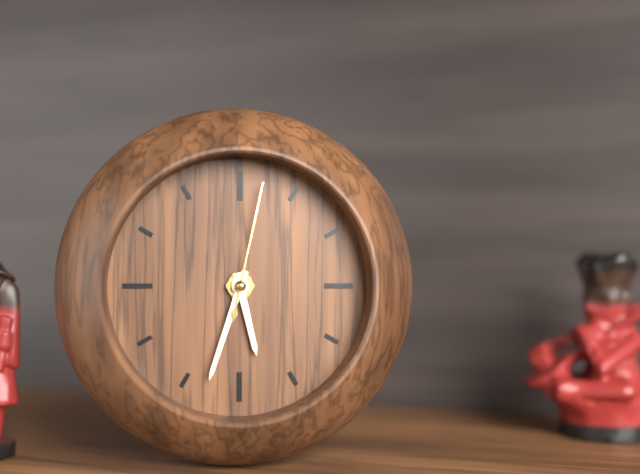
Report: 5.33.02
